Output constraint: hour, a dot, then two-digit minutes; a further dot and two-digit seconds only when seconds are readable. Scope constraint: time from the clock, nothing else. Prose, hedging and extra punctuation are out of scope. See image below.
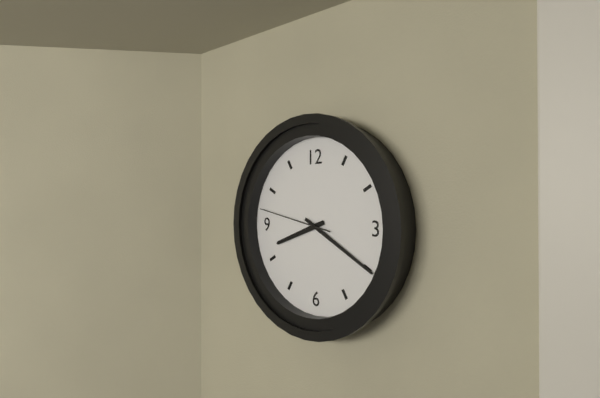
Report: 8.20.47
